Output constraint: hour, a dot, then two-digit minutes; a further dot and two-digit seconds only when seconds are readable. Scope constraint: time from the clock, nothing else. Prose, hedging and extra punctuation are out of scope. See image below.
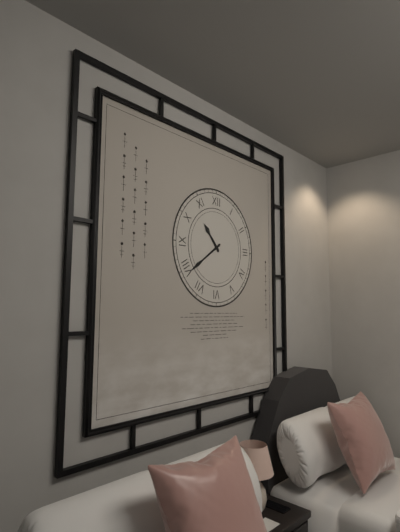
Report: 10.39
